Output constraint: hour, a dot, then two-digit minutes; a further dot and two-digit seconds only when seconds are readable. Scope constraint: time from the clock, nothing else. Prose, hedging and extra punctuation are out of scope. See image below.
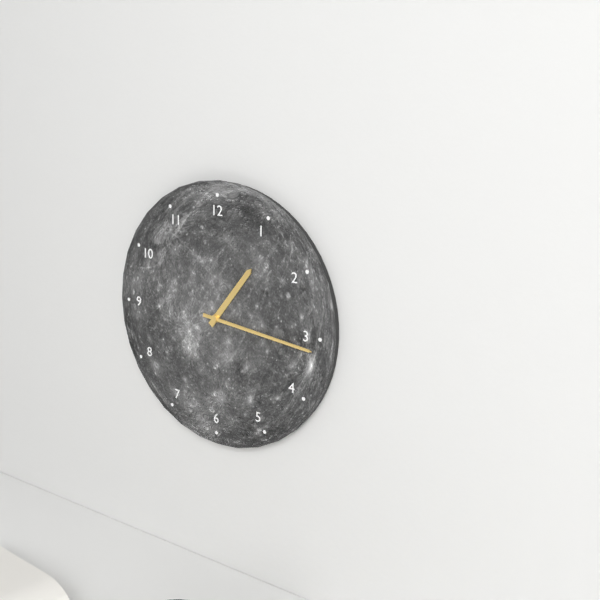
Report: 1.16
